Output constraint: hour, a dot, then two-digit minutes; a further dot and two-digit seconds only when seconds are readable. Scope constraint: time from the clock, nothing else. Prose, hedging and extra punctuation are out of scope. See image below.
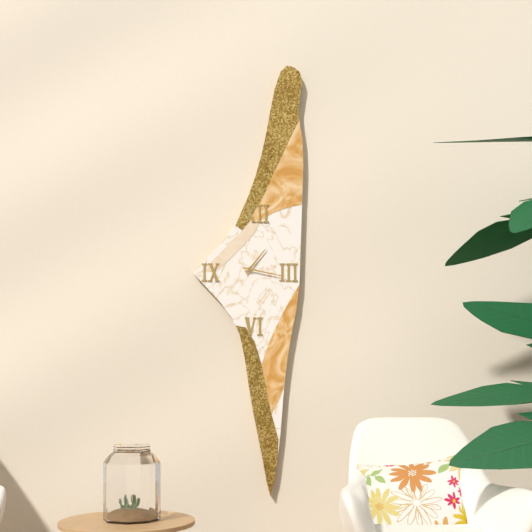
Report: 1.17
